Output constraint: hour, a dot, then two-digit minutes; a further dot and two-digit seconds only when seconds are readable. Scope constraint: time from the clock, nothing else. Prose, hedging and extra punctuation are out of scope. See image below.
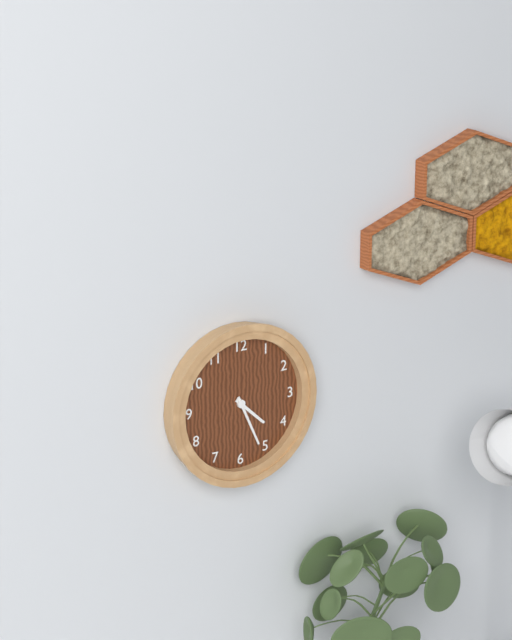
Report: 4.26
